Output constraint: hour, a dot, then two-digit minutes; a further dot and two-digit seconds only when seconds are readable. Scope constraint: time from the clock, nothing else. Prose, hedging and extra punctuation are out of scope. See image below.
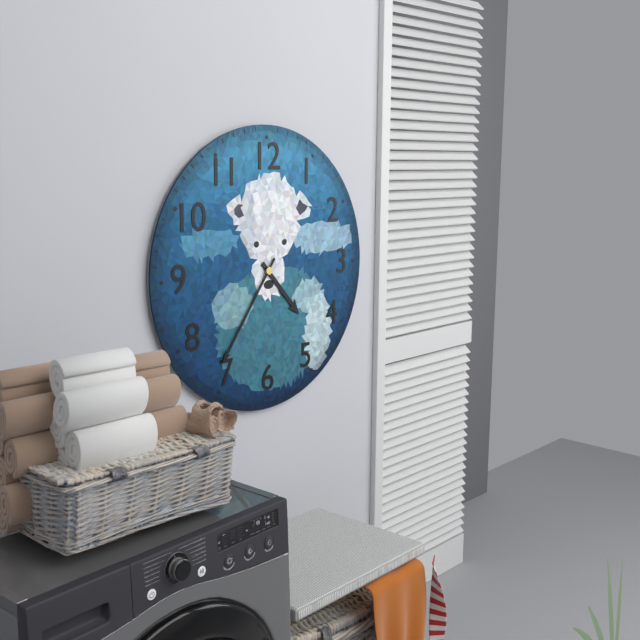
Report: 4.36
